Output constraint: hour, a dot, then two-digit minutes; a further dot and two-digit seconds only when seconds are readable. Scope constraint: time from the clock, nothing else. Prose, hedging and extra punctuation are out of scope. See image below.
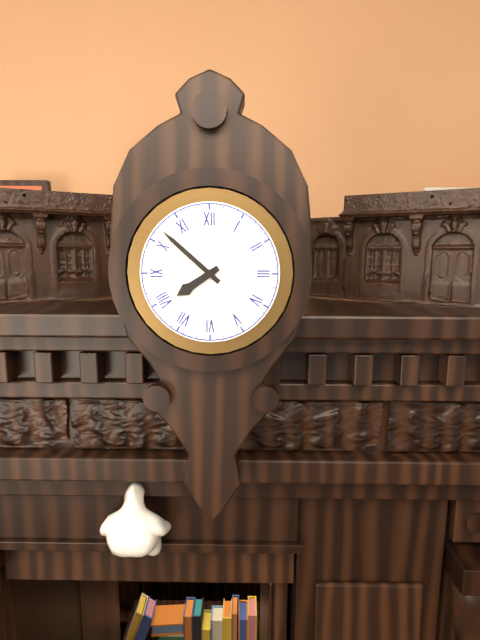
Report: 7.52
